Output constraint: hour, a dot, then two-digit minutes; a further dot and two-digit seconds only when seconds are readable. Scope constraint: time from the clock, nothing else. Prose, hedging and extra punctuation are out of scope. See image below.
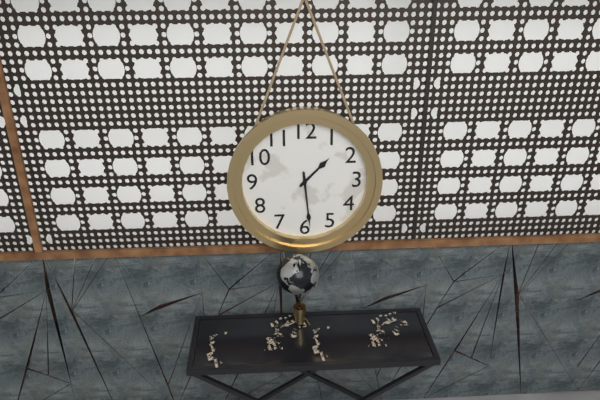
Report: 1.29
